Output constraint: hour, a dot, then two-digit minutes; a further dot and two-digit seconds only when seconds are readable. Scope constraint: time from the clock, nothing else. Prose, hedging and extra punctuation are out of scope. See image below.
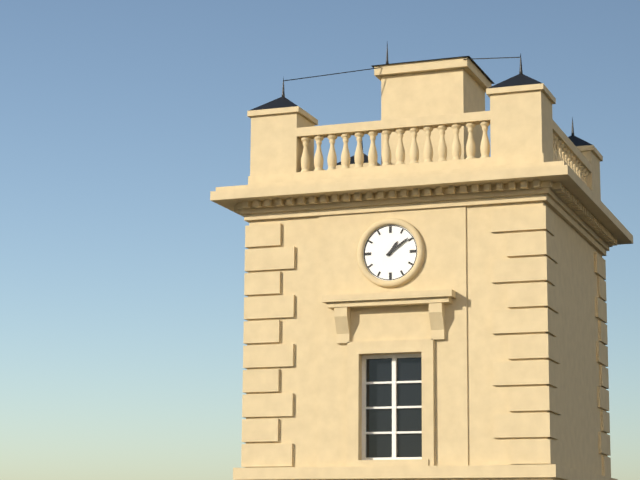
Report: 1.09
